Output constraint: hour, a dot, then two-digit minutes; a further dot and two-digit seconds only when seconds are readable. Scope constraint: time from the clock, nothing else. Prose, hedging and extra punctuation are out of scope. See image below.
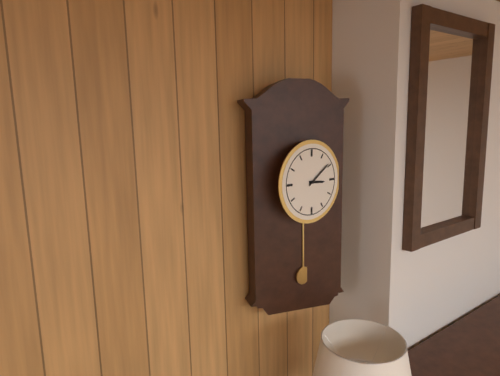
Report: 3.09
